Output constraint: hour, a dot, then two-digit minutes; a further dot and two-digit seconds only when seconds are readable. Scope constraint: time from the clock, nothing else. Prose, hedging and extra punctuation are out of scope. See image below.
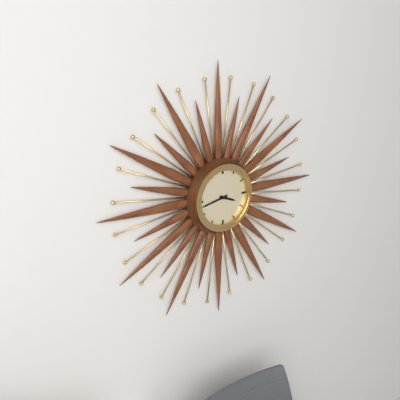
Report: 3.43
